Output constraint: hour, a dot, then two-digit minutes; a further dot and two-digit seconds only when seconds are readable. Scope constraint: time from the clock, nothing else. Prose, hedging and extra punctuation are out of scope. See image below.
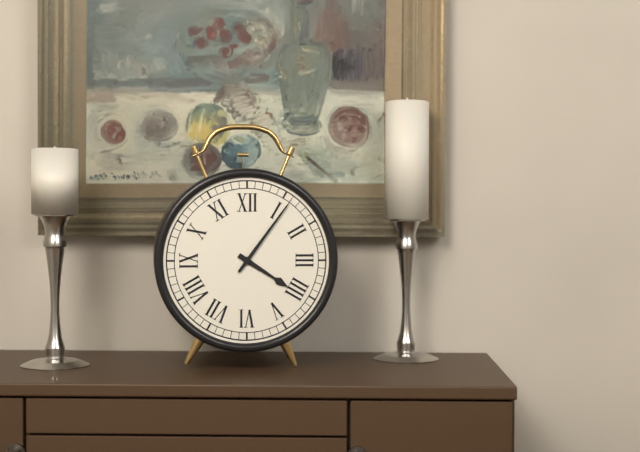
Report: 4.06
